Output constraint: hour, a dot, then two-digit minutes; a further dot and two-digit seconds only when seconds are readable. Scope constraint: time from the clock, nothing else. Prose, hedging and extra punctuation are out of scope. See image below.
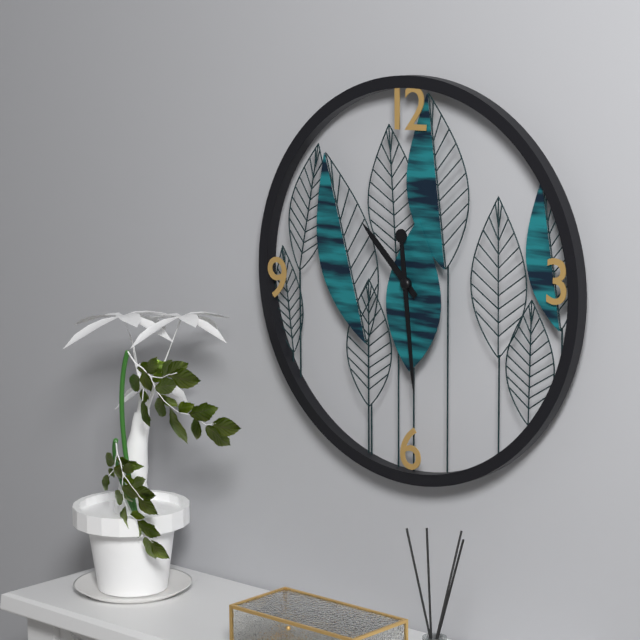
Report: 10.29
